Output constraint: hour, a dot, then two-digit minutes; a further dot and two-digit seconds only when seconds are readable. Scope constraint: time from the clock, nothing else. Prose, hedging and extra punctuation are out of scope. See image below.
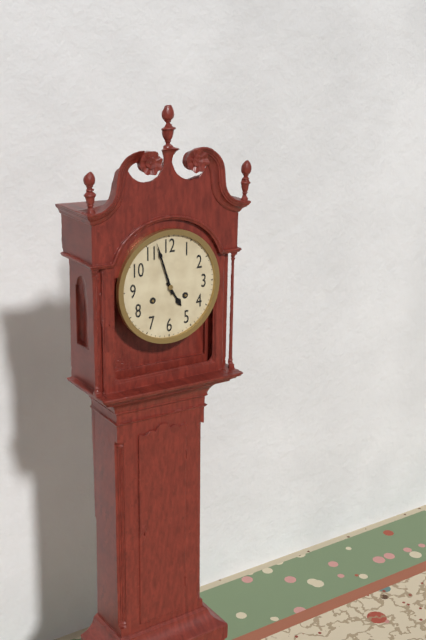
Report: 4.57
